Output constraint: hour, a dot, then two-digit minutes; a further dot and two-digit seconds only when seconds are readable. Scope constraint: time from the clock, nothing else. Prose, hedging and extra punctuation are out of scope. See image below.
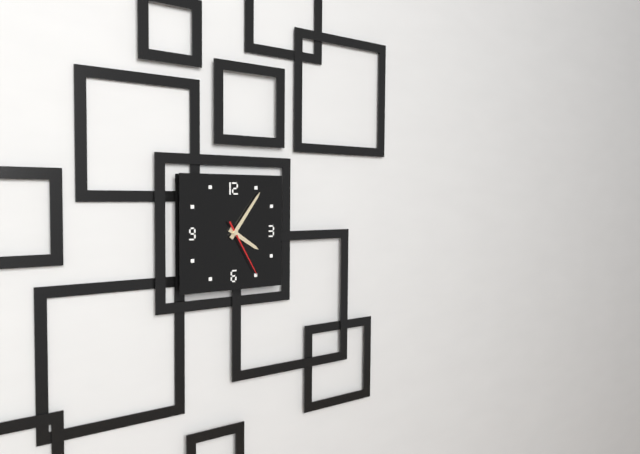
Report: 4.06.25
